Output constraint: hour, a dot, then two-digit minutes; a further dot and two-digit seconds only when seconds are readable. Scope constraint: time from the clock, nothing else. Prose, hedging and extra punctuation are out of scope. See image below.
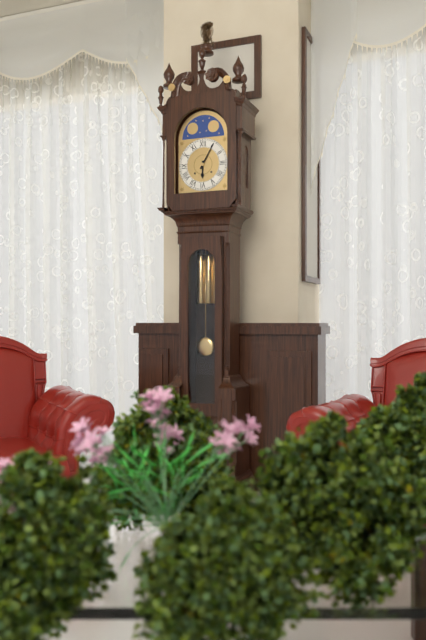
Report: 6.05
